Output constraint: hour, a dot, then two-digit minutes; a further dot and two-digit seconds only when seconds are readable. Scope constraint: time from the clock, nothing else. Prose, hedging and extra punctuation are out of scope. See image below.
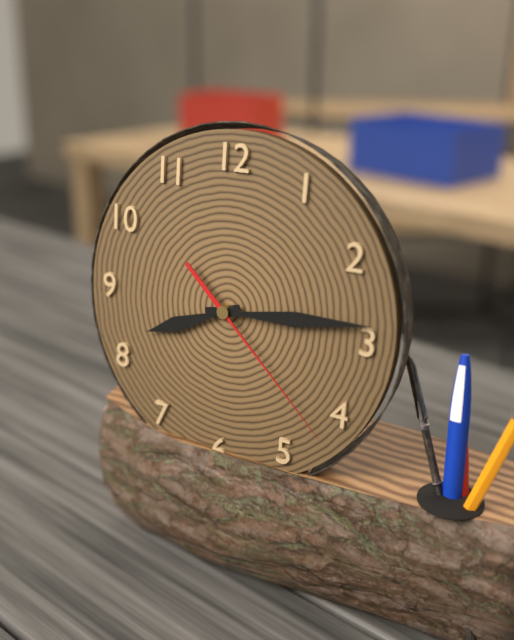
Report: 8.14.22
